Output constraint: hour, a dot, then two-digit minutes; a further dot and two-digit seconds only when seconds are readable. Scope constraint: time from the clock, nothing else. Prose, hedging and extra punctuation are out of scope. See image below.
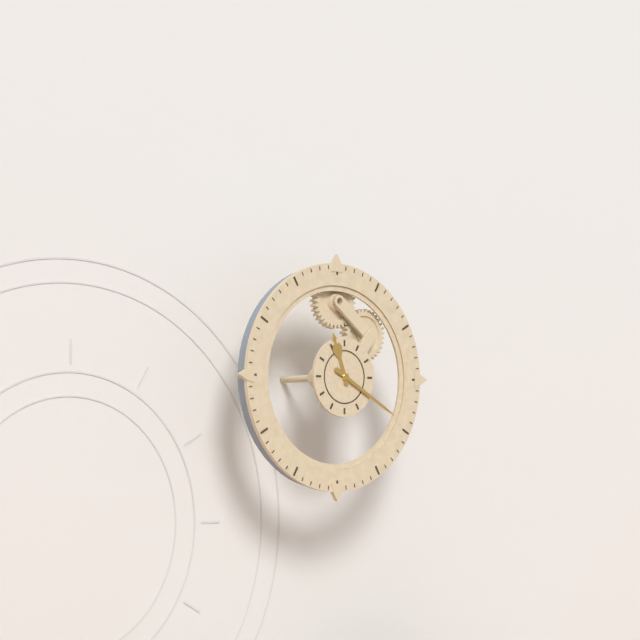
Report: 11.20
